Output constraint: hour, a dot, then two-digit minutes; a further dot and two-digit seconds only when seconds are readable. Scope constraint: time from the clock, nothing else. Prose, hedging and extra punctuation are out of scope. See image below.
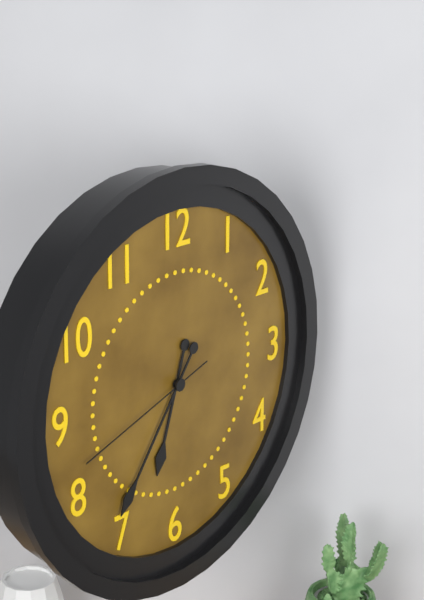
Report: 6.36.42
